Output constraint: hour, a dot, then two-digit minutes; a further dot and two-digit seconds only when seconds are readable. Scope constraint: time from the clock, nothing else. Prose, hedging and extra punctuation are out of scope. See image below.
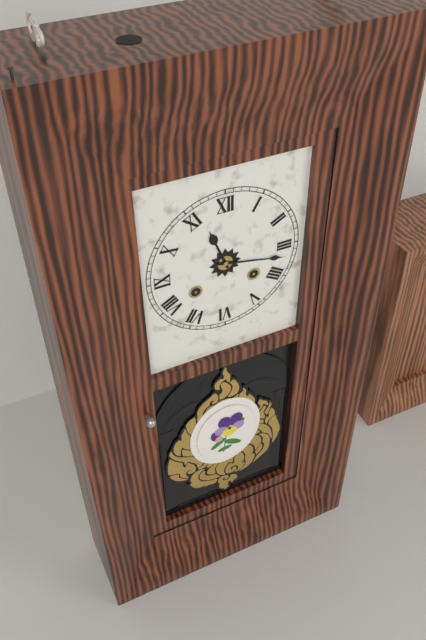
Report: 11.17
